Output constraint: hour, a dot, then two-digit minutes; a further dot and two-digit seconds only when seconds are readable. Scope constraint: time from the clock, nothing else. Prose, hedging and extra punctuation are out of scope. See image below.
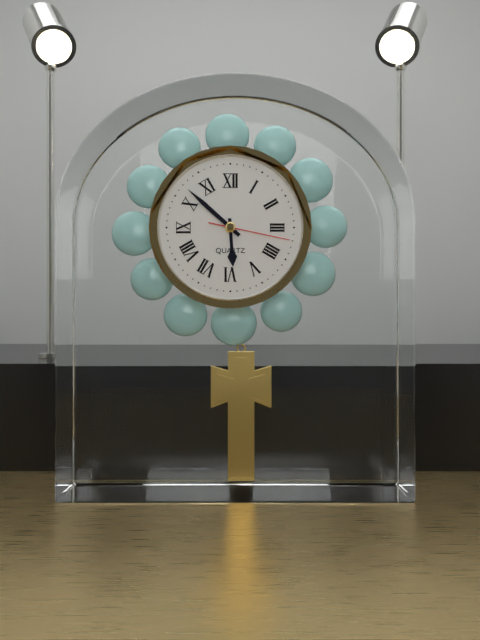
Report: 5.52.17
